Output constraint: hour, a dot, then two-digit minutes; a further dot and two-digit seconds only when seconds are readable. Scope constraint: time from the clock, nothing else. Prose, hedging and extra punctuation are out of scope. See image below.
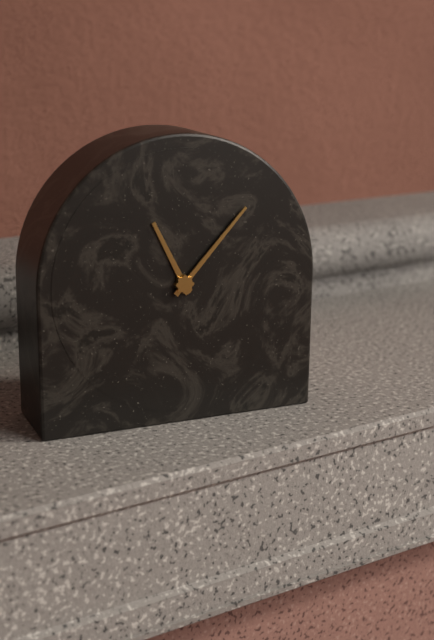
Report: 11.07
